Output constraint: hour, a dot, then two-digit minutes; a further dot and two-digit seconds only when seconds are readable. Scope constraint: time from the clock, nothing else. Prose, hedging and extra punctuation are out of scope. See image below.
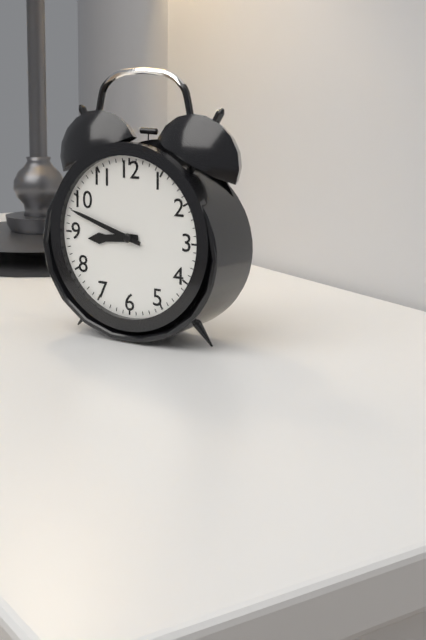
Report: 8.48
